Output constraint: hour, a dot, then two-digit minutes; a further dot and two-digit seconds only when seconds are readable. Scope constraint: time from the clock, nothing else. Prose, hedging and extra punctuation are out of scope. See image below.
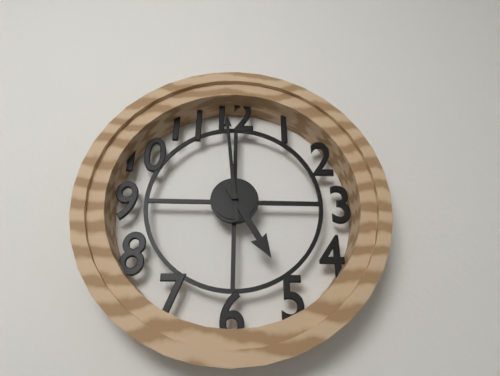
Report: 4.59
